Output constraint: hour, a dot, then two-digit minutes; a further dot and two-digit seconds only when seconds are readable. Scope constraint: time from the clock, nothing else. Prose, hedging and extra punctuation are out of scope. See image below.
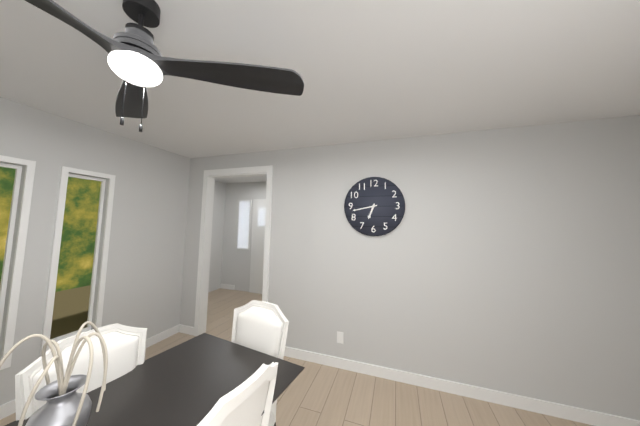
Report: 6.43
